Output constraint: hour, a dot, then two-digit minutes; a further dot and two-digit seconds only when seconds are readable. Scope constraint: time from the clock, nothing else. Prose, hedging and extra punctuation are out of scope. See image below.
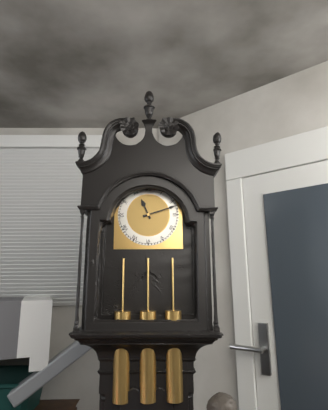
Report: 11.12
